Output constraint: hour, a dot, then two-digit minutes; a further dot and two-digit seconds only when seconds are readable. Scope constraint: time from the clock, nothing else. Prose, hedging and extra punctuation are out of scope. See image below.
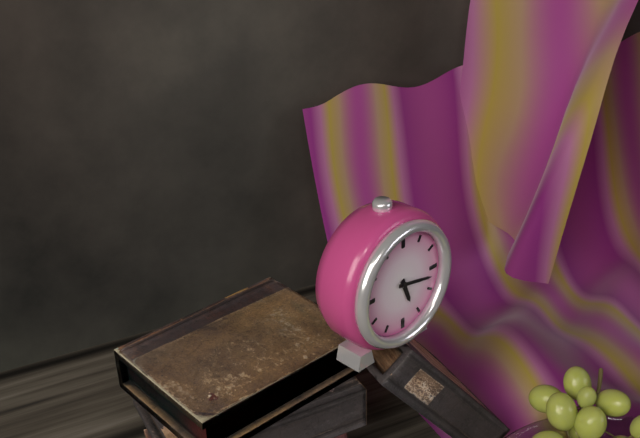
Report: 5.17
